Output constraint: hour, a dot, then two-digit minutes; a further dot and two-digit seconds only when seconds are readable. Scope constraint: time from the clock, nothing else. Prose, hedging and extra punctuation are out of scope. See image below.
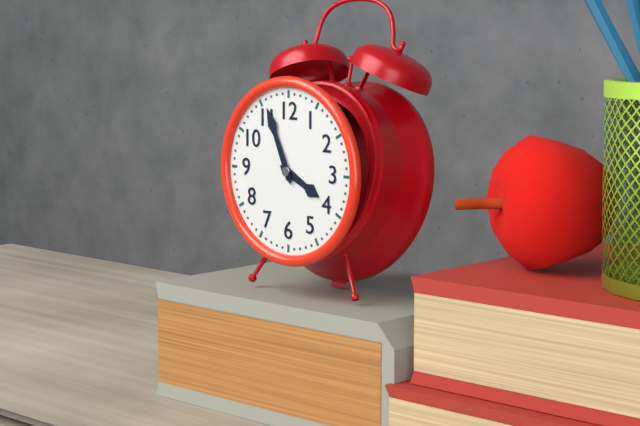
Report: 3.56
